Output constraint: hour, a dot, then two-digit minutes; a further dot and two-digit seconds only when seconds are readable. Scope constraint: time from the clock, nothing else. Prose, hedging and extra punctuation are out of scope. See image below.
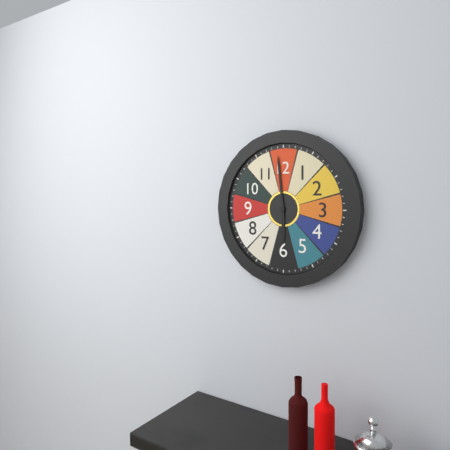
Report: 5.59
